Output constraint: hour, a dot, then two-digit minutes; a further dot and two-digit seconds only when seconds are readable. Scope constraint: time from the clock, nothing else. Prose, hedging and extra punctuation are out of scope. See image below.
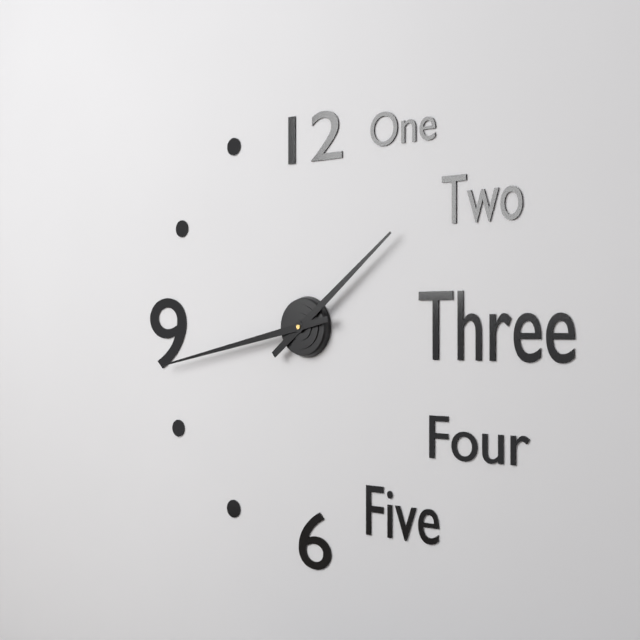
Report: 1.43
